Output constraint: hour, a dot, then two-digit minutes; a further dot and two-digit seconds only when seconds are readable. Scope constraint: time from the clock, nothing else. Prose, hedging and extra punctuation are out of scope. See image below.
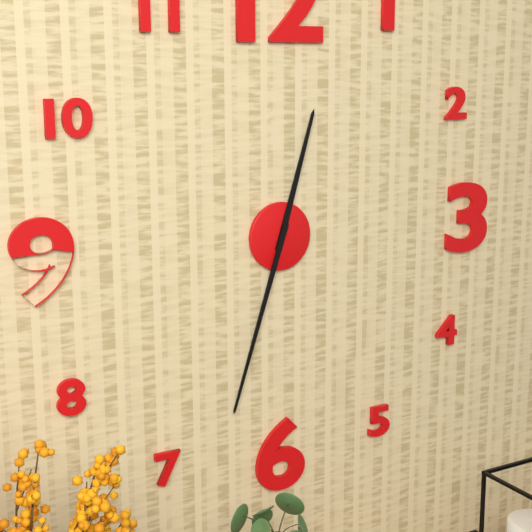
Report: 12.33
